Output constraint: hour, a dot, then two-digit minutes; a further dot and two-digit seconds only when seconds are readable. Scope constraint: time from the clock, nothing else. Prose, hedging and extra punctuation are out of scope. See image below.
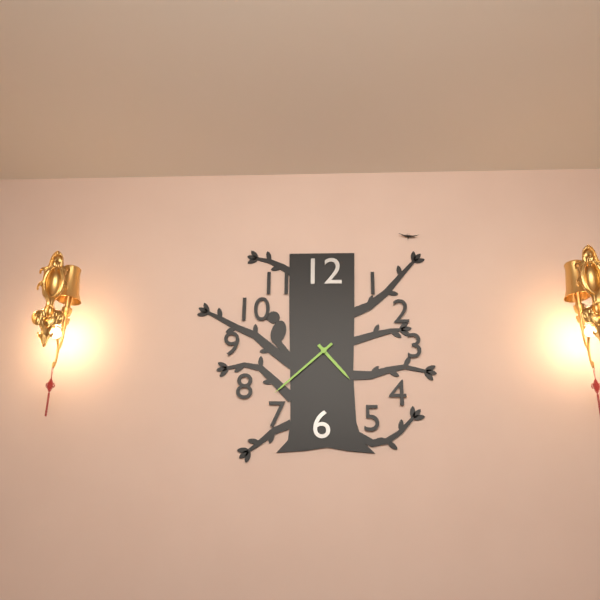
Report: 4.38
